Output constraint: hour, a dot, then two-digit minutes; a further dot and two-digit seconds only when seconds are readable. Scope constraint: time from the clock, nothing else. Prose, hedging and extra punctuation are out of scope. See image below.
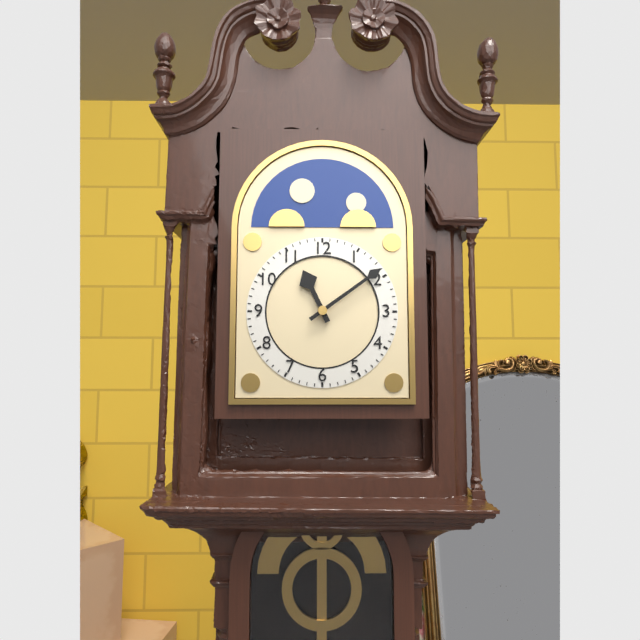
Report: 11.09
